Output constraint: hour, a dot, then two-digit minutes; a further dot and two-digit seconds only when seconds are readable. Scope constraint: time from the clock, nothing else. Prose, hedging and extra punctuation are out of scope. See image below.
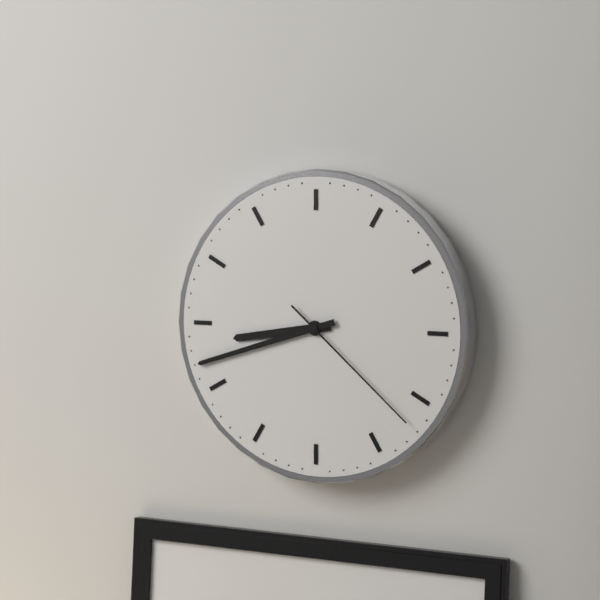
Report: 8.42.22
